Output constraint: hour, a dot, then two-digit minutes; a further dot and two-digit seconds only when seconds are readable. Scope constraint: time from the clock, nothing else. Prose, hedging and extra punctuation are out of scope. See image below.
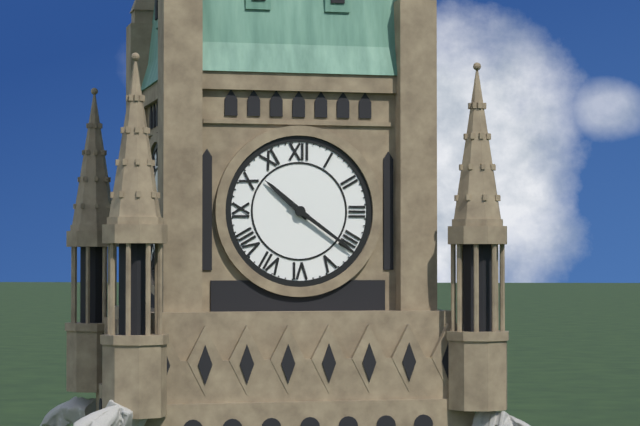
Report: 10.21
